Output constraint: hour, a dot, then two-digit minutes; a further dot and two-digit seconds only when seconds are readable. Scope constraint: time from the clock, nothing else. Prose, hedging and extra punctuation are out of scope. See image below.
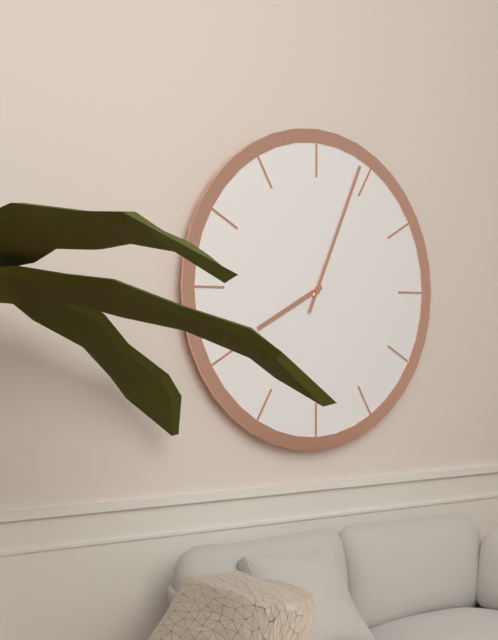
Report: 8.04
